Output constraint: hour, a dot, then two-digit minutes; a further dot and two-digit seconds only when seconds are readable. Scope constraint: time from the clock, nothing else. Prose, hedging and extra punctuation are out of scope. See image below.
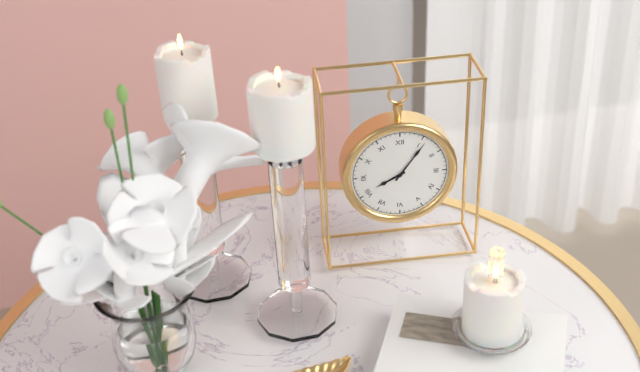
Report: 8.06
